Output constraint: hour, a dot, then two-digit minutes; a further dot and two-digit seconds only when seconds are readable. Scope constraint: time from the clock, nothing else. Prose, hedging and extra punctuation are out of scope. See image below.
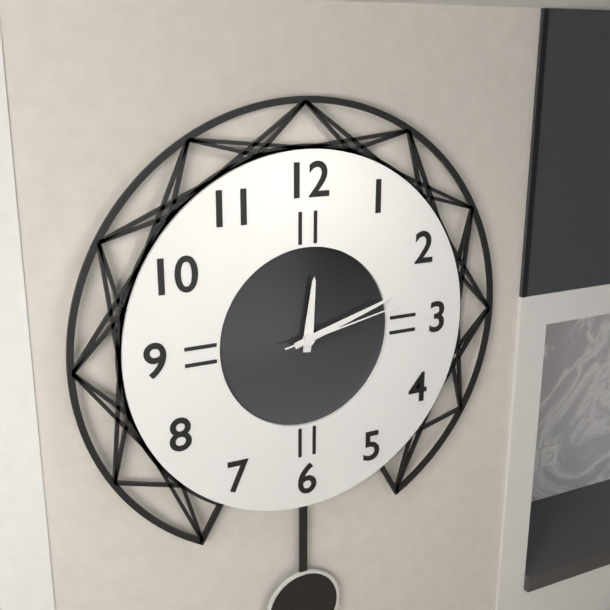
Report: 12.12.13
